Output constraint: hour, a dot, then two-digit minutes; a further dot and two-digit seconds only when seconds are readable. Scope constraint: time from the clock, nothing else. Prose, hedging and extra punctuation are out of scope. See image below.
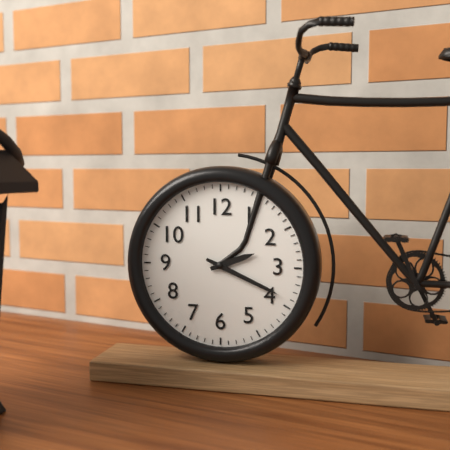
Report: 2.19
